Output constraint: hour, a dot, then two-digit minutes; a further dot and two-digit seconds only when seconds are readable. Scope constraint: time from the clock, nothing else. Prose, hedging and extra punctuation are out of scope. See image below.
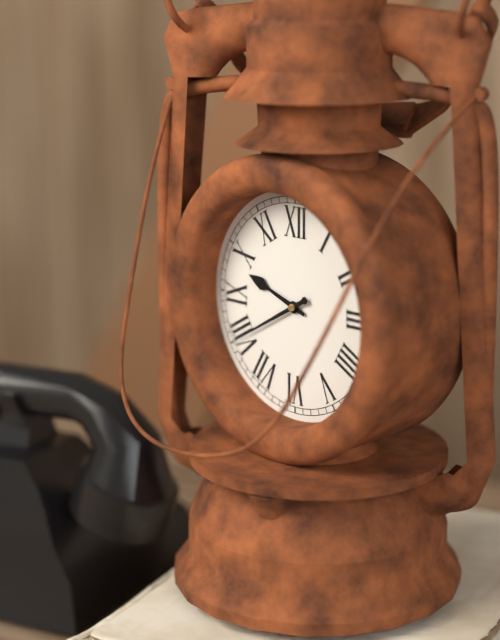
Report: 9.40
